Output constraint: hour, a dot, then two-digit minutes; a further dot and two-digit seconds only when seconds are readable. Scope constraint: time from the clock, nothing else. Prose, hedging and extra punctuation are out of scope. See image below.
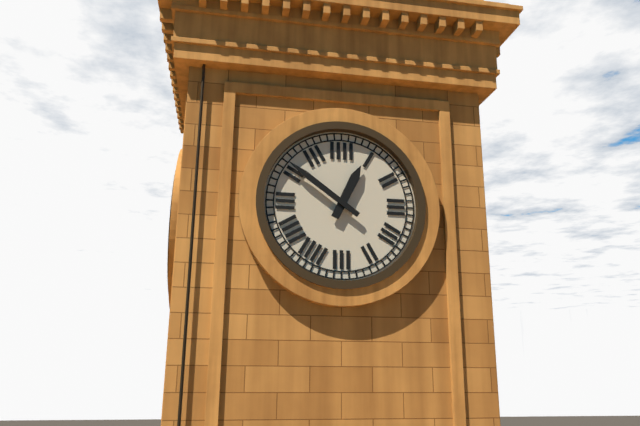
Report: 12.51
